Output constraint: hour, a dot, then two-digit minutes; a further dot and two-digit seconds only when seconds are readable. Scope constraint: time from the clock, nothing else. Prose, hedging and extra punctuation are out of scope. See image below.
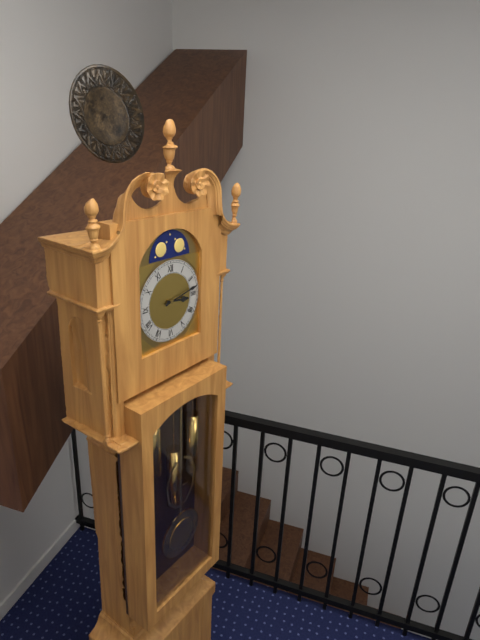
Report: 3.13
